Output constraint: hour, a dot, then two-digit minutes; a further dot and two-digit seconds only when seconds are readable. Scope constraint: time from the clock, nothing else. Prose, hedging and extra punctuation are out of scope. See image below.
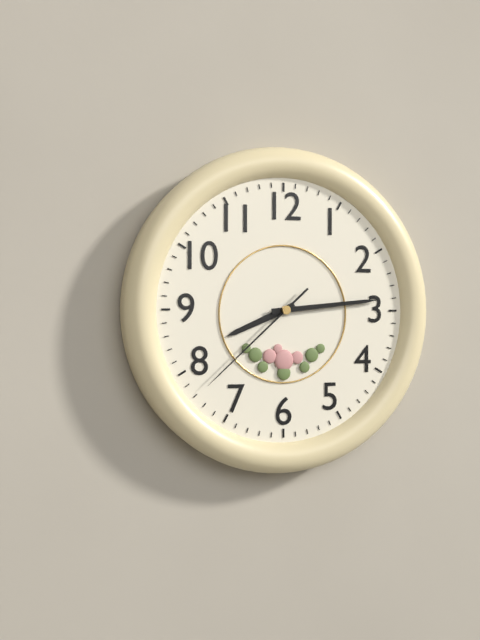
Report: 8.14.38
